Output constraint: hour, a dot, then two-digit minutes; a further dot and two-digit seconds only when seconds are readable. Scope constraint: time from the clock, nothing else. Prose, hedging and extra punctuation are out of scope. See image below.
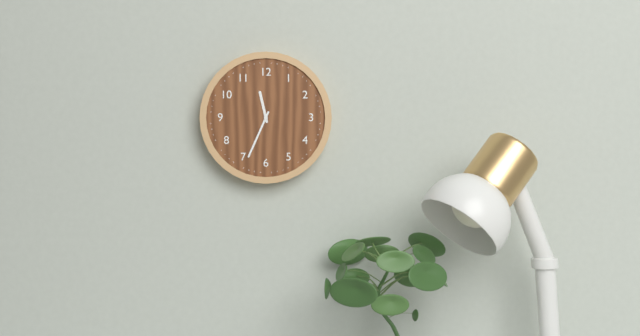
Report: 11.34
